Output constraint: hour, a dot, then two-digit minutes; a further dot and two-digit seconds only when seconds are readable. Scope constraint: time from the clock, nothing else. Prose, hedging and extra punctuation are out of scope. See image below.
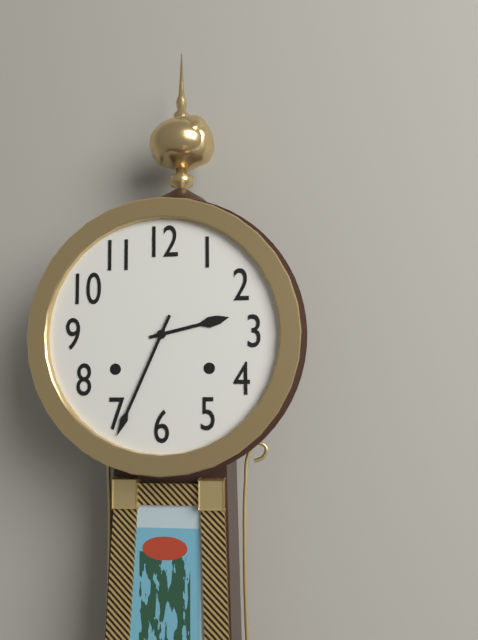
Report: 2.34
